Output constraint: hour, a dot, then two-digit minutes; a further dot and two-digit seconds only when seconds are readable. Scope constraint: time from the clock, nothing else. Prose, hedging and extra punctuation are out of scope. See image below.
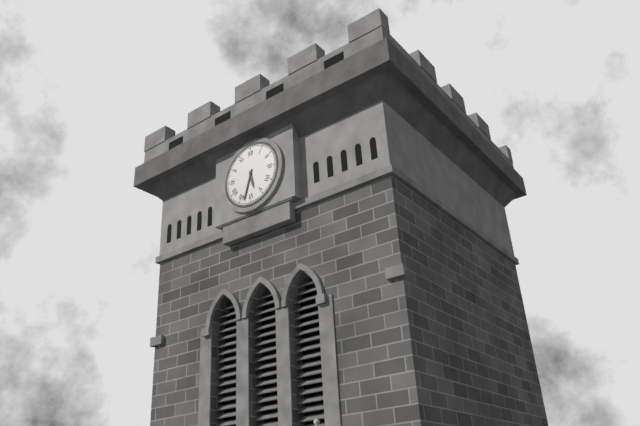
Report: 5.33
